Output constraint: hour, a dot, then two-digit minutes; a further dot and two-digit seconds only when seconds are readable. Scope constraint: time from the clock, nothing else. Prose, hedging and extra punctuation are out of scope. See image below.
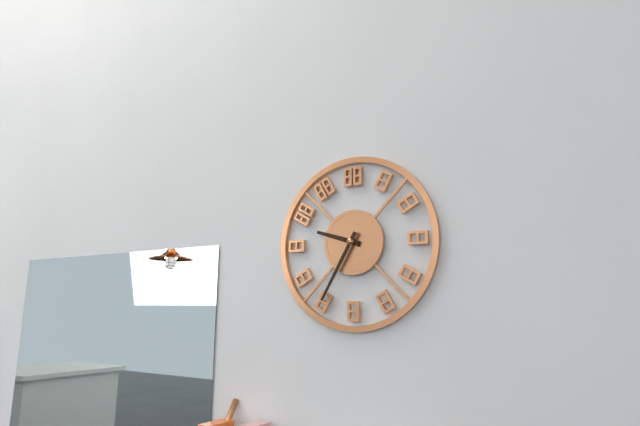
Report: 9.35
